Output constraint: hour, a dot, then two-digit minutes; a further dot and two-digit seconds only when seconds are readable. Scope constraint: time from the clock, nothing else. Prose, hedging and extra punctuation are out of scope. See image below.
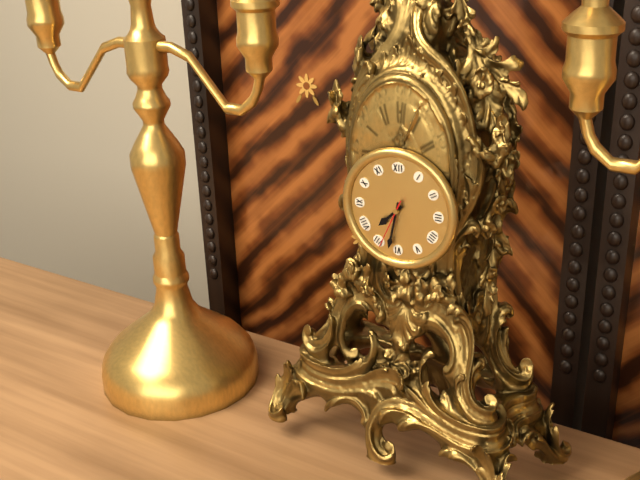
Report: 7.32.34
